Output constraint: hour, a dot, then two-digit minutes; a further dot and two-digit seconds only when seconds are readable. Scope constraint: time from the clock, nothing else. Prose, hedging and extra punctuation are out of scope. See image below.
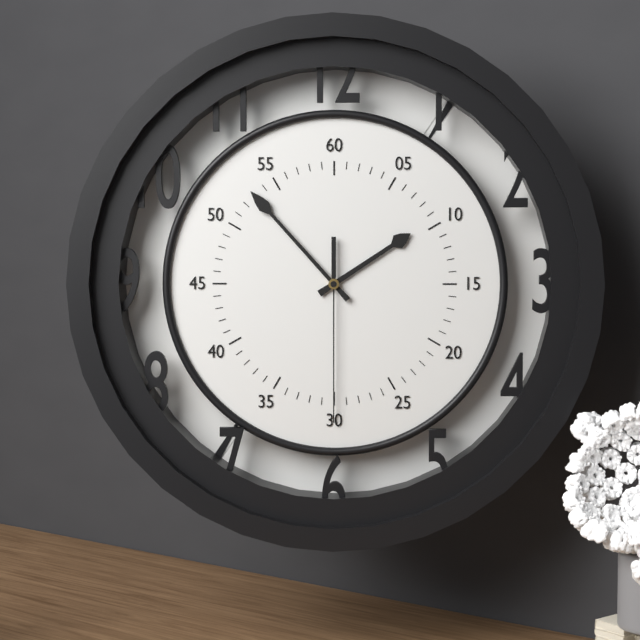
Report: 1.53.30
